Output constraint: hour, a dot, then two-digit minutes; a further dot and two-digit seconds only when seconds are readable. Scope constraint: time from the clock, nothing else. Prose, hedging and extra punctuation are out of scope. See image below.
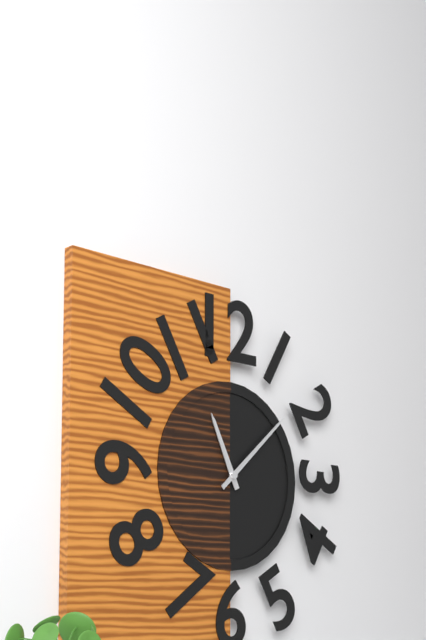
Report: 11.08
